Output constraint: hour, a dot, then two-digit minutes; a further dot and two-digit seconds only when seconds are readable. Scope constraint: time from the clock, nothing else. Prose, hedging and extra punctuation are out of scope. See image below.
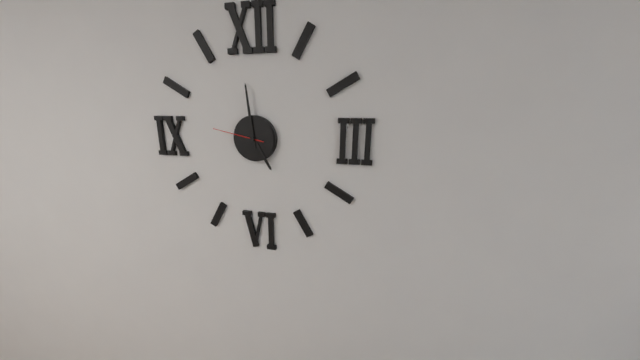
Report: 4.59.47
